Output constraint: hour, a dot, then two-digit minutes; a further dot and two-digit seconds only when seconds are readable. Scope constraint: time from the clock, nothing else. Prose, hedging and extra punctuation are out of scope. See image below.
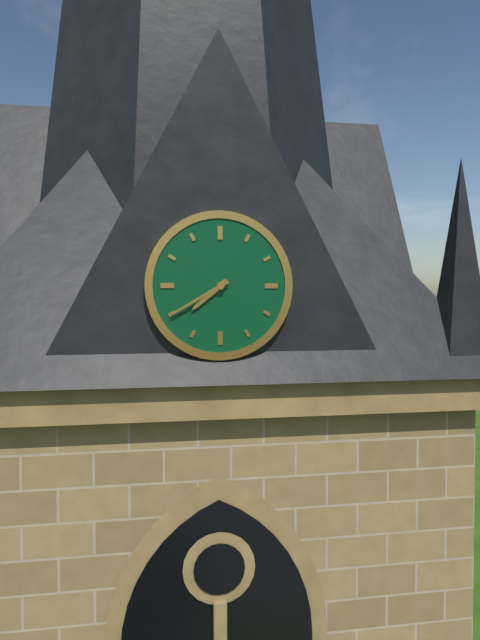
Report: 7.40
